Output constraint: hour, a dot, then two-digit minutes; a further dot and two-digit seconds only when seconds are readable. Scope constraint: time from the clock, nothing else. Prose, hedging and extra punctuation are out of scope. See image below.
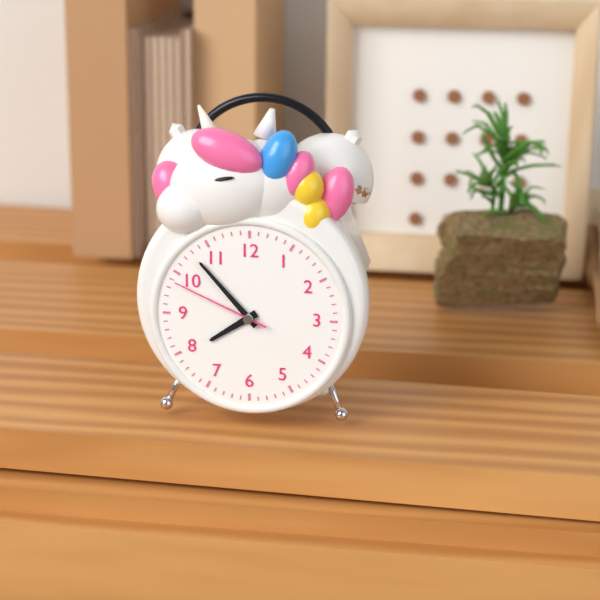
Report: 7.53.49
